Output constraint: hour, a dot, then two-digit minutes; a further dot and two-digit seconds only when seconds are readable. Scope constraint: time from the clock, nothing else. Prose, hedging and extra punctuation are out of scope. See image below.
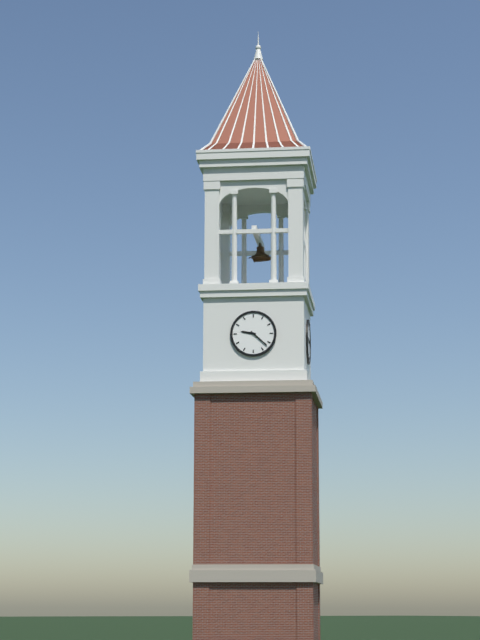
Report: 9.22
